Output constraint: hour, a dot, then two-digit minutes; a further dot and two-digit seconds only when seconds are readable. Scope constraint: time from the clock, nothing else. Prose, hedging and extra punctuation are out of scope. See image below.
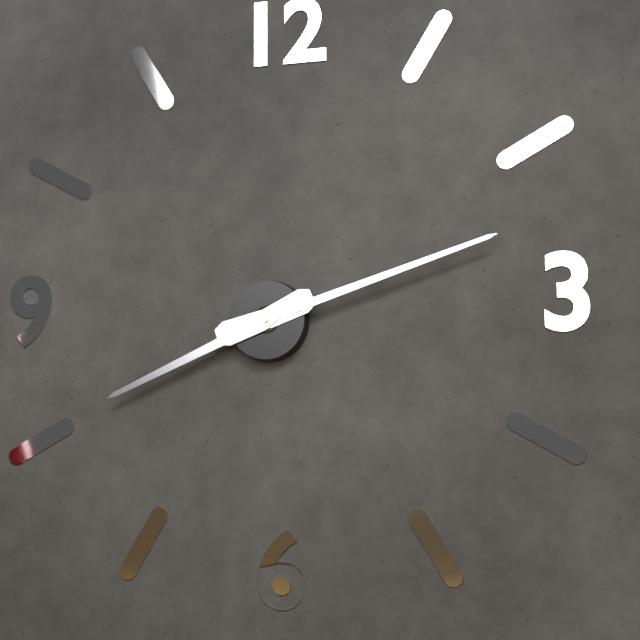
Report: 8.12
